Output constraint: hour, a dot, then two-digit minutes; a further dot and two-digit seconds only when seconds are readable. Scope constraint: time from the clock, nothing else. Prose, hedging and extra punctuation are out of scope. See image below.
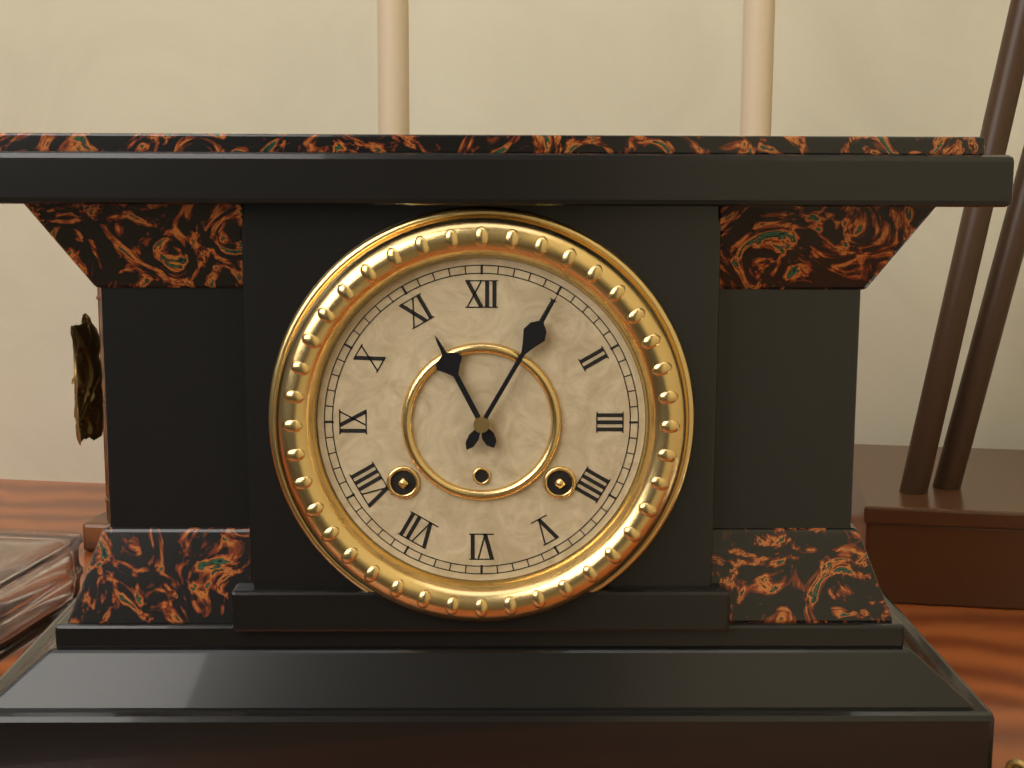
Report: 11.05
